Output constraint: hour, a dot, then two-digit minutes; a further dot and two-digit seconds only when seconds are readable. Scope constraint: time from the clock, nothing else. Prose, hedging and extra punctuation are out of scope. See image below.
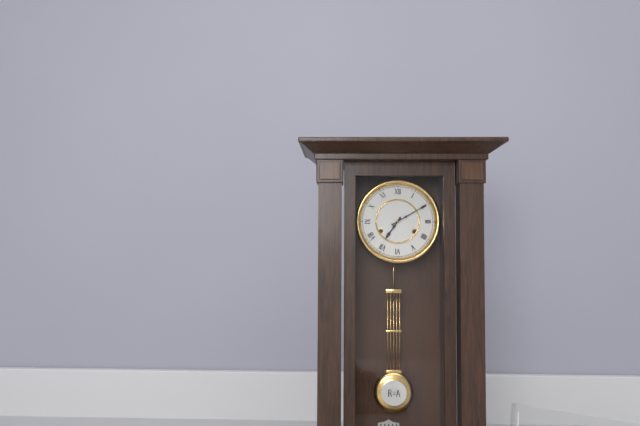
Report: 7.10
